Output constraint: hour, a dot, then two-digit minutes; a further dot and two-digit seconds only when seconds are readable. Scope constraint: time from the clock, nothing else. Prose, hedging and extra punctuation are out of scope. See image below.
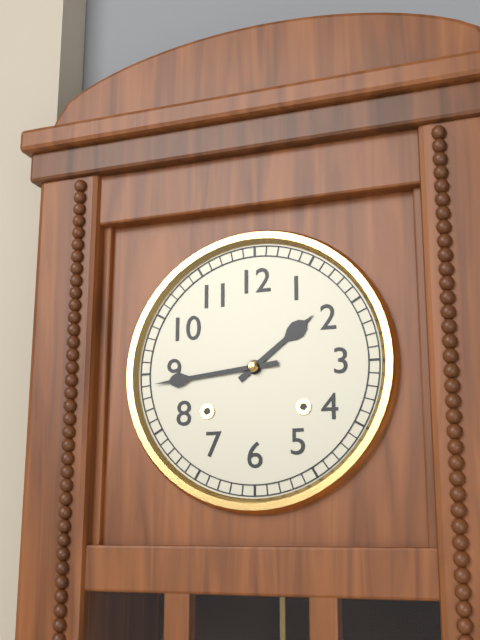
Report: 1.44
